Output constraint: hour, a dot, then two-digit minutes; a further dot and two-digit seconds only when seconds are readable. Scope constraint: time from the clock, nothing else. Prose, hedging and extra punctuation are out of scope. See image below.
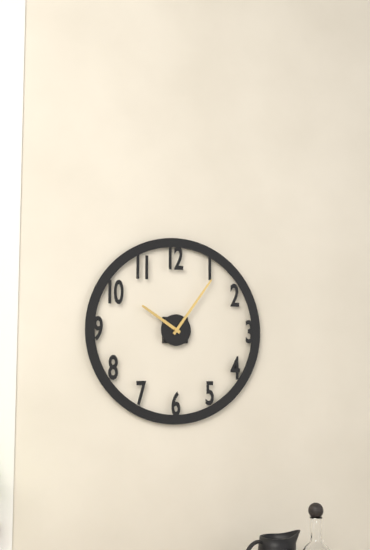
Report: 10.06
